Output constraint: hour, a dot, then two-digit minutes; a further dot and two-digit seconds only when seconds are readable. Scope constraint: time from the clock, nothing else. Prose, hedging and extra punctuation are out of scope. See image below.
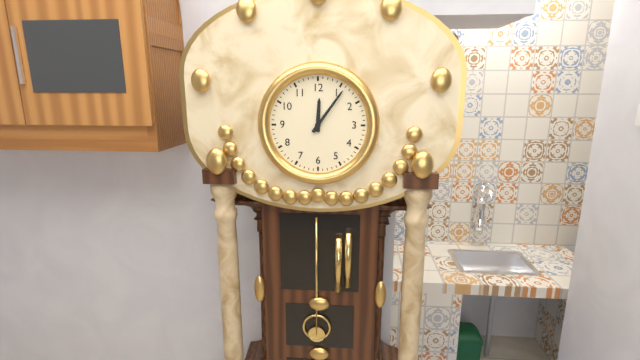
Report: 12.06
